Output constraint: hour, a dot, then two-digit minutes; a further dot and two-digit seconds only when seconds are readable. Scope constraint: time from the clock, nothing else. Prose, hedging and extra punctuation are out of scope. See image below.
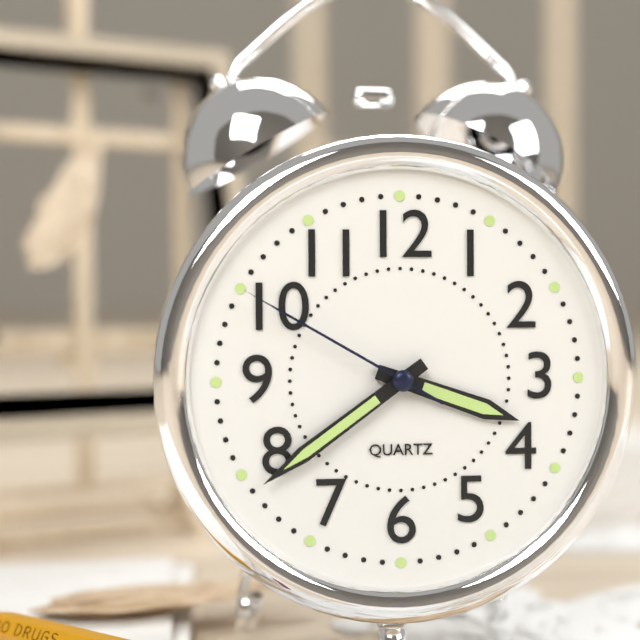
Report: 3.39.50
